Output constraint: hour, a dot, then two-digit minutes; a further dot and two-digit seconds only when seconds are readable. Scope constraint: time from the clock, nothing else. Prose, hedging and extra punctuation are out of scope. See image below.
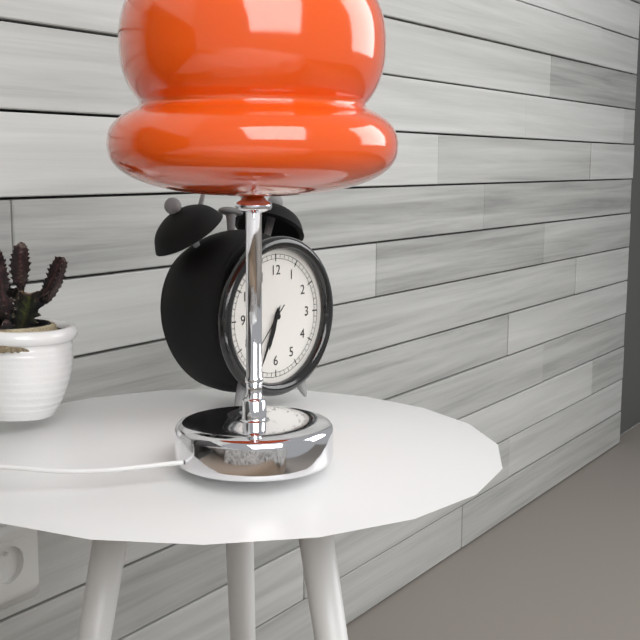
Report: 6.34
